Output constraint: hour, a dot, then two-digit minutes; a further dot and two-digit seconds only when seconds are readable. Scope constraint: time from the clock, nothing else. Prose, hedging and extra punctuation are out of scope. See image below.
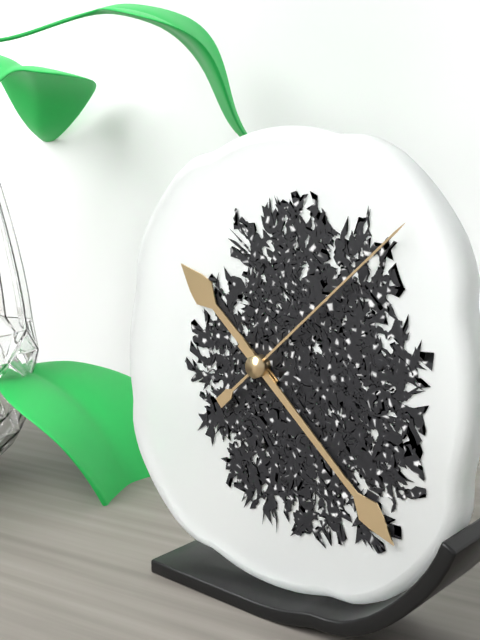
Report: 10.22.08
